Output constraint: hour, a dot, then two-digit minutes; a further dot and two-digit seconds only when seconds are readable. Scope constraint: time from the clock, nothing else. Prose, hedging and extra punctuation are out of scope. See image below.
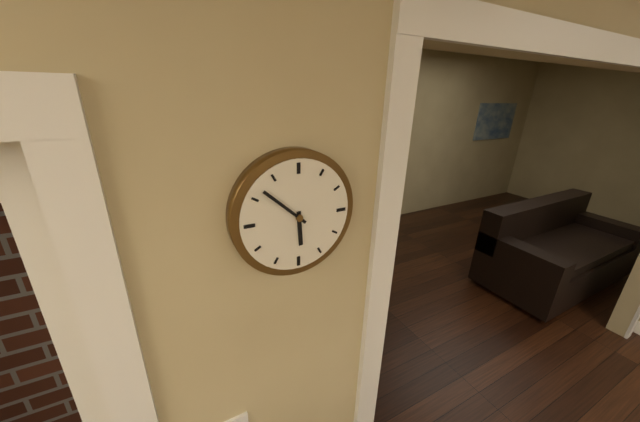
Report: 5.52
